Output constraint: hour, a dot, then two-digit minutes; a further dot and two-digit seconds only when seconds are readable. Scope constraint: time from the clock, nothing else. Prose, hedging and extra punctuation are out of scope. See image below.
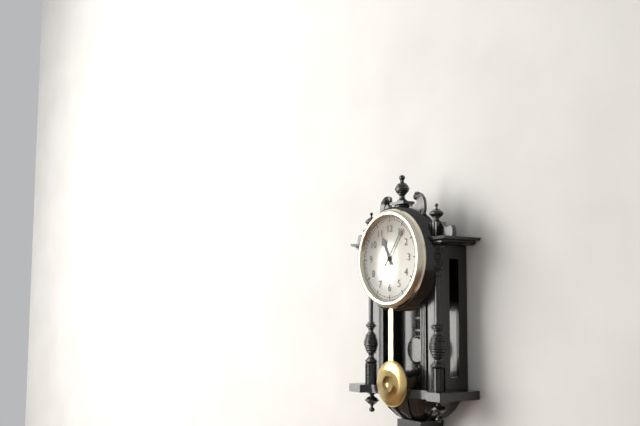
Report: 11.06
